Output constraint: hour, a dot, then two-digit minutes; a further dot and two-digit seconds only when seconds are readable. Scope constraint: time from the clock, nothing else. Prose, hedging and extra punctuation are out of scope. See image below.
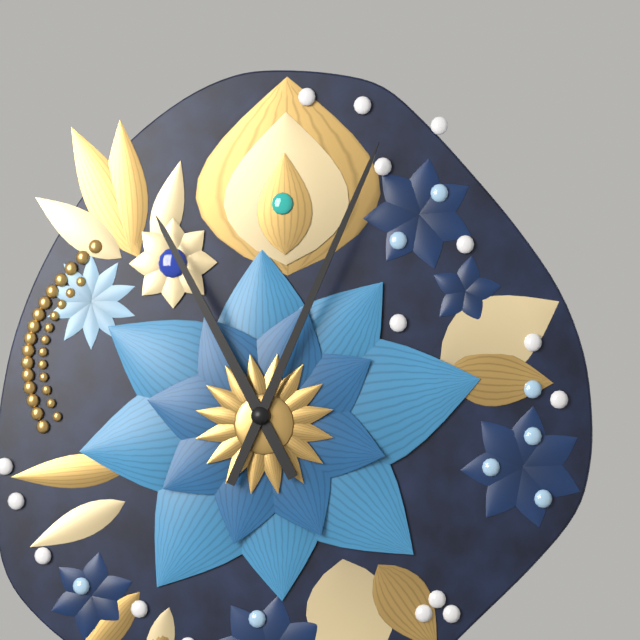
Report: 11.04
